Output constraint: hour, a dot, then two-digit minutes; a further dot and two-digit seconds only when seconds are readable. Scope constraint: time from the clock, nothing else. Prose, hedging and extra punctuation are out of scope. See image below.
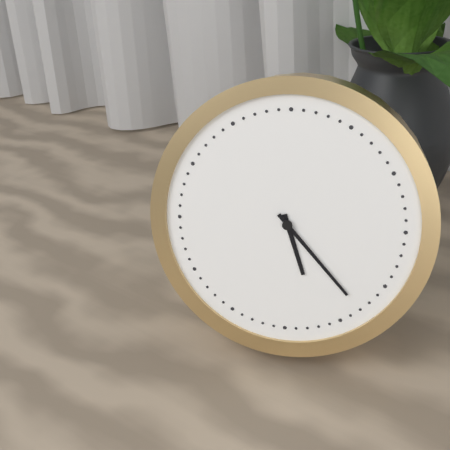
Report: 5.23
